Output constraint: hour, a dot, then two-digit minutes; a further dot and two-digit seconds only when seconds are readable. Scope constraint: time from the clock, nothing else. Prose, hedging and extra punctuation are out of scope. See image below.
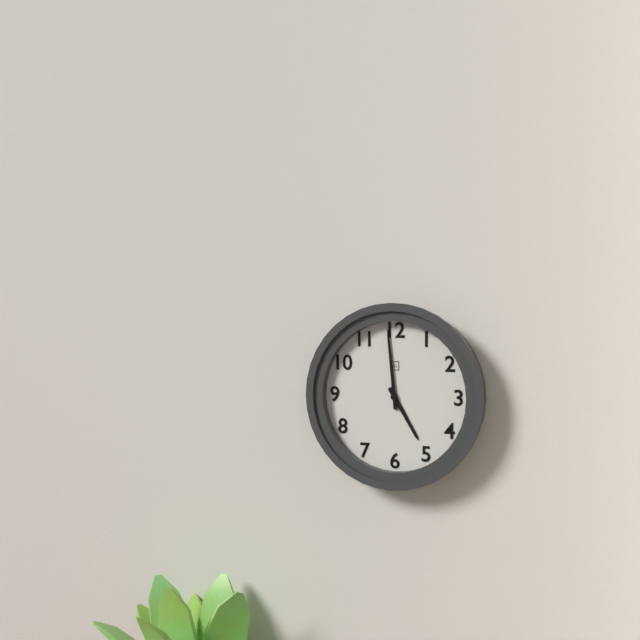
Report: 4.59
